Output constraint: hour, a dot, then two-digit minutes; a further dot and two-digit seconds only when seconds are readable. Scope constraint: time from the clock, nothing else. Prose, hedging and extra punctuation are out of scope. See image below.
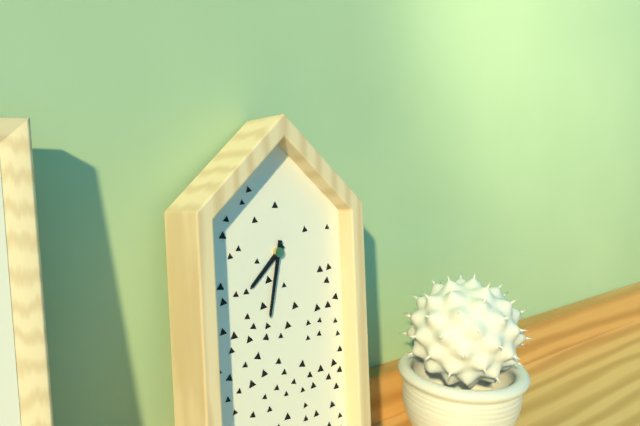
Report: 7.32
